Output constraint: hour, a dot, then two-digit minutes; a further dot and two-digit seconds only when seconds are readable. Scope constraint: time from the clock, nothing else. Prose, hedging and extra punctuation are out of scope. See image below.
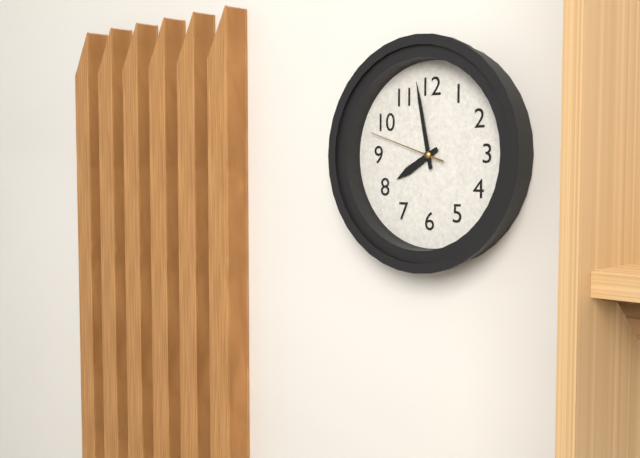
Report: 7.58.48
